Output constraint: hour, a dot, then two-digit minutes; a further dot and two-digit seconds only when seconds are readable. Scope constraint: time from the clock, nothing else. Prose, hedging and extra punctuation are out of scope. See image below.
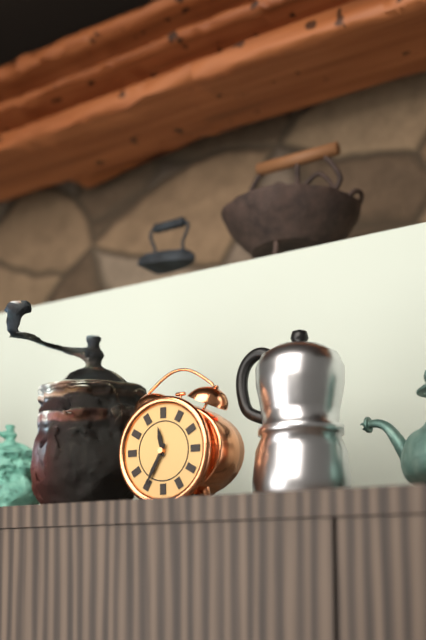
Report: 11.35
